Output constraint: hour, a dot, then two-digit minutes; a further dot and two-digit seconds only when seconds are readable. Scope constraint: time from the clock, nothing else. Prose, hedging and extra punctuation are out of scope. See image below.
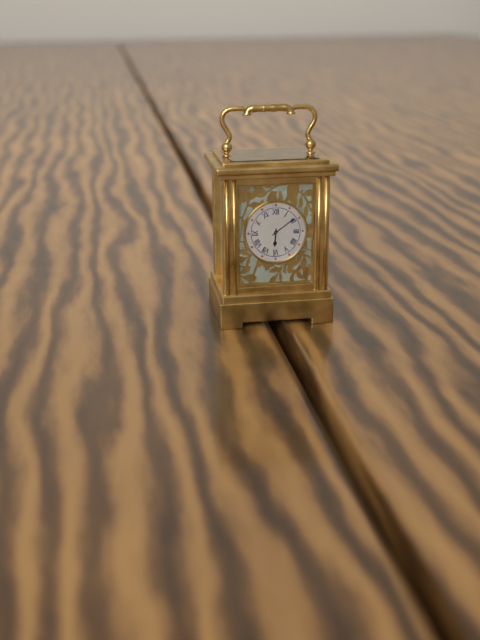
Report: 6.09
